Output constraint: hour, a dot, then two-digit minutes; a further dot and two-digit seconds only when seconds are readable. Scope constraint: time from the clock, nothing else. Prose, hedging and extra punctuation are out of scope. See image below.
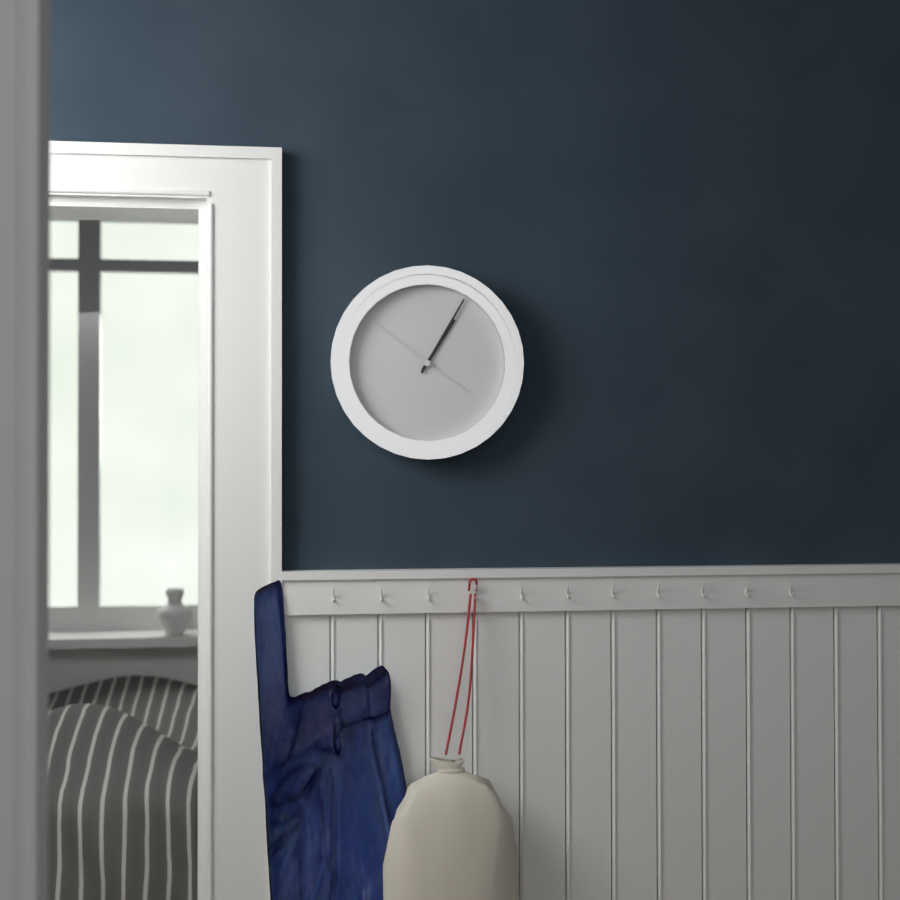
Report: 1.05.51
